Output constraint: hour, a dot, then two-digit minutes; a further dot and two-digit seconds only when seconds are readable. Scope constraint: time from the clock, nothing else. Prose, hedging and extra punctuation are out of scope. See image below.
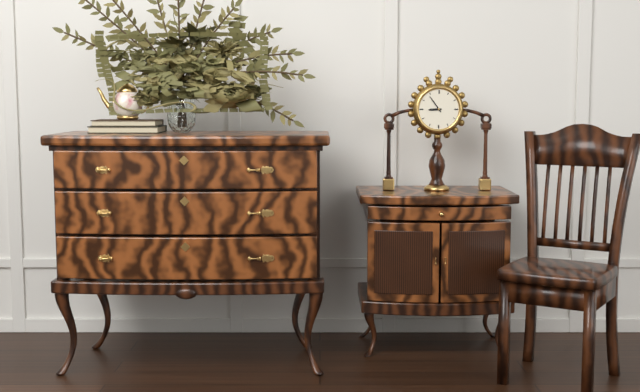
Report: 8.54
